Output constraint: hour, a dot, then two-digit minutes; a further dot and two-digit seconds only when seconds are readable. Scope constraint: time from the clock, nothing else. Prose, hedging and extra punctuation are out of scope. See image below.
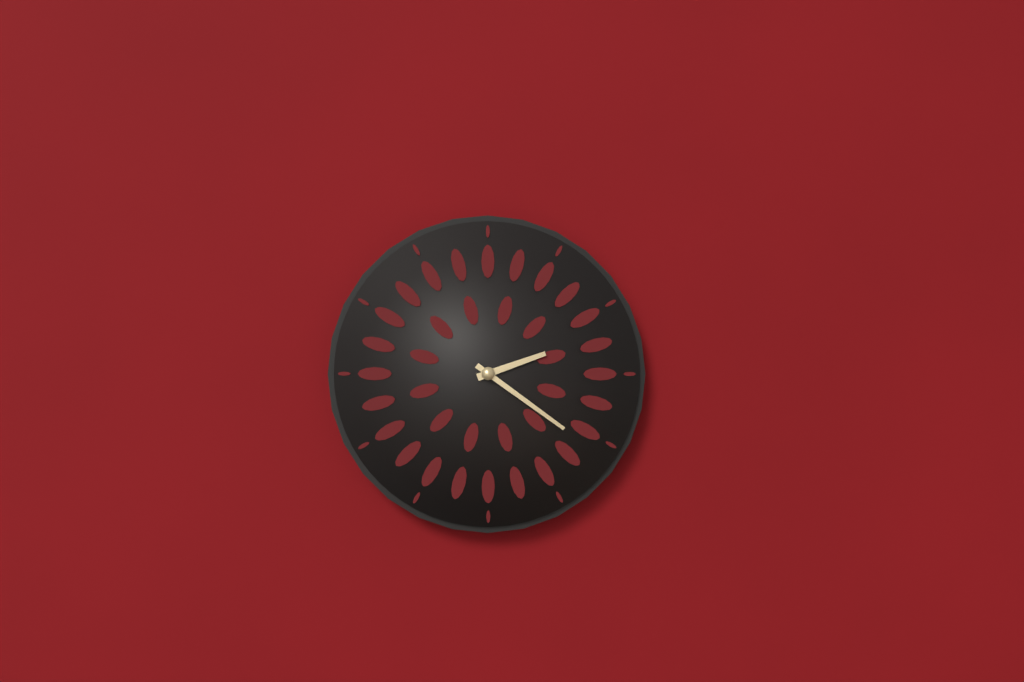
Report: 2.21
